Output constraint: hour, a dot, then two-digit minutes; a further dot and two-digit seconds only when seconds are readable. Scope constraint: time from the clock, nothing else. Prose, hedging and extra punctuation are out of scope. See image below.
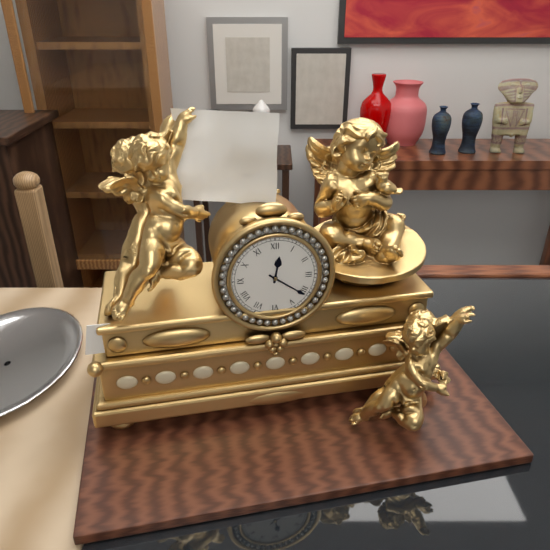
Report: 12.21
